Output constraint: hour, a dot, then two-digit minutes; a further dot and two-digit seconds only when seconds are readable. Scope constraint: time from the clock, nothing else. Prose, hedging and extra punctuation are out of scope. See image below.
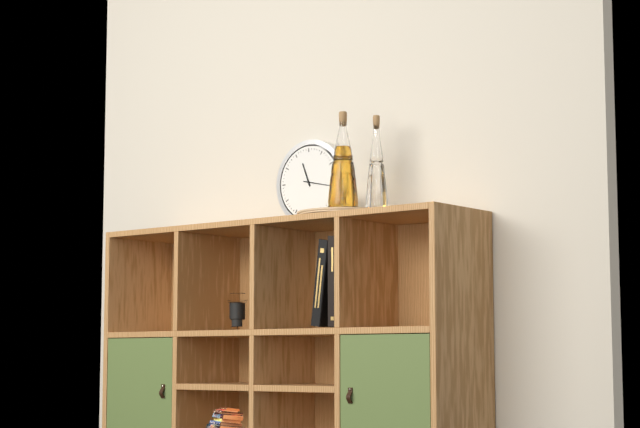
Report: 11.17
